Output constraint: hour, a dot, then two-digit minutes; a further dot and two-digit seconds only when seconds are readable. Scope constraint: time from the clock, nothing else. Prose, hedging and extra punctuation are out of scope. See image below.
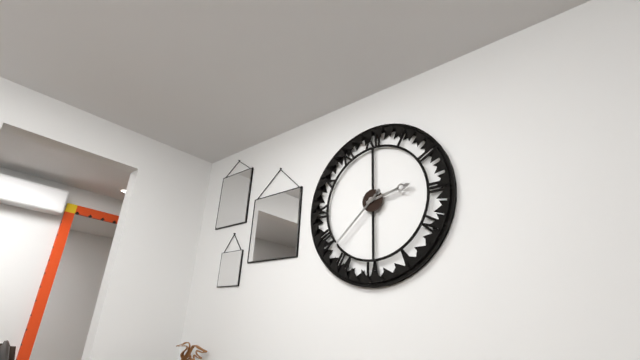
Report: 2.38
